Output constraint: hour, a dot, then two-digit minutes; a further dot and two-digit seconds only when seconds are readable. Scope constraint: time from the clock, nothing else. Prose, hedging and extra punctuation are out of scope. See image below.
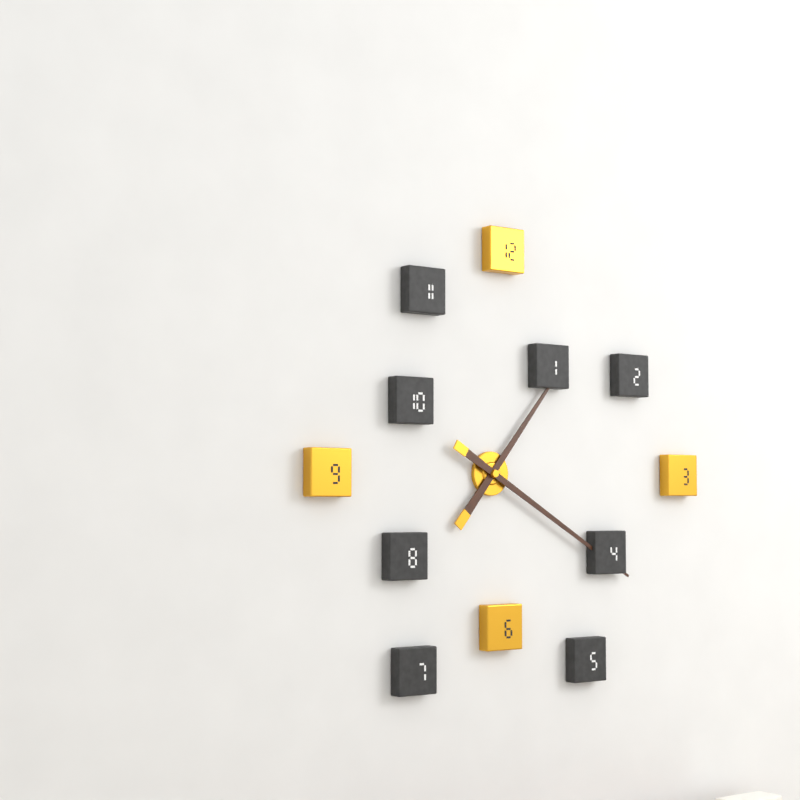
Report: 1.20
